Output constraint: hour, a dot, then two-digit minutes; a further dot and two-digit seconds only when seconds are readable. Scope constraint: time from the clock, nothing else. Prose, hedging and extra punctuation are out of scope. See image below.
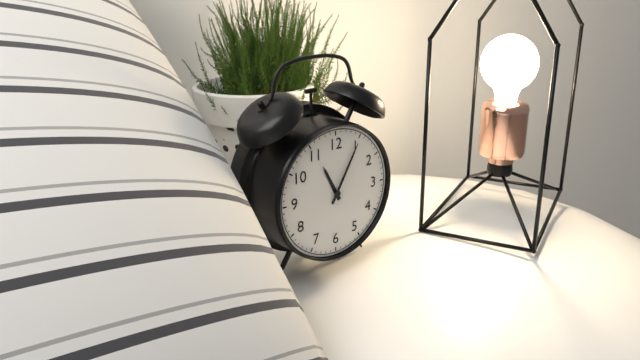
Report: 11.05
